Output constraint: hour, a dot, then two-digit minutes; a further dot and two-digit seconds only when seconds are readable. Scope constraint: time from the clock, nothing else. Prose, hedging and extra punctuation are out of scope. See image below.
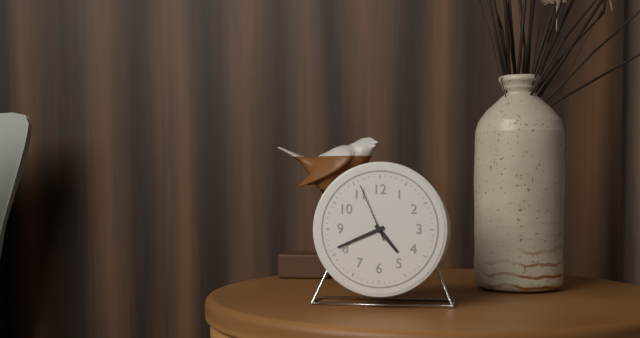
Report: 4.41.56
